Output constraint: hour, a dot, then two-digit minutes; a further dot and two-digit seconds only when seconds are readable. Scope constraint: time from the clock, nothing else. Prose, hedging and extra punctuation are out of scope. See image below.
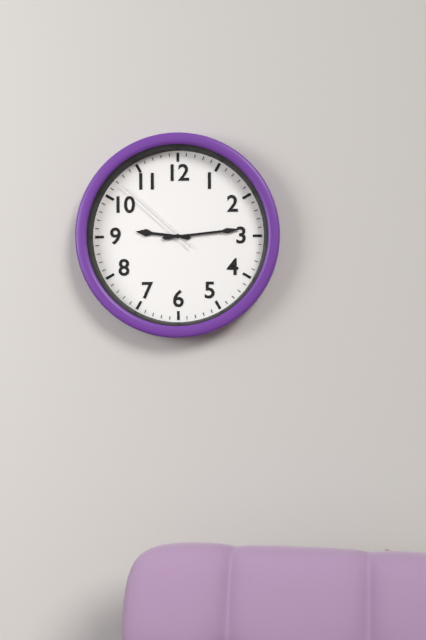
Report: 9.14.52
